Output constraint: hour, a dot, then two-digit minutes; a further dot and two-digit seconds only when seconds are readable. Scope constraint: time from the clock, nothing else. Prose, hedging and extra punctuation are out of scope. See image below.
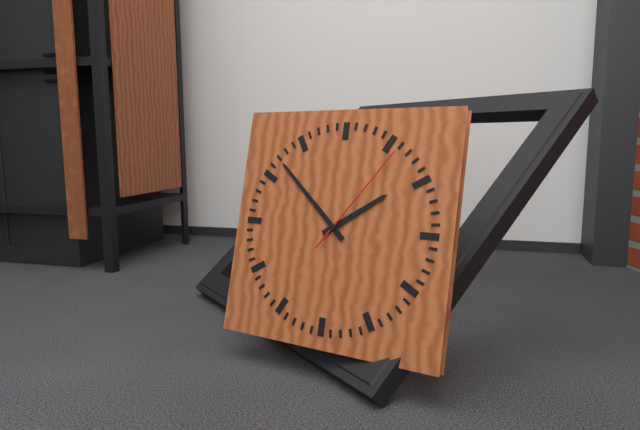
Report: 1.52.06
